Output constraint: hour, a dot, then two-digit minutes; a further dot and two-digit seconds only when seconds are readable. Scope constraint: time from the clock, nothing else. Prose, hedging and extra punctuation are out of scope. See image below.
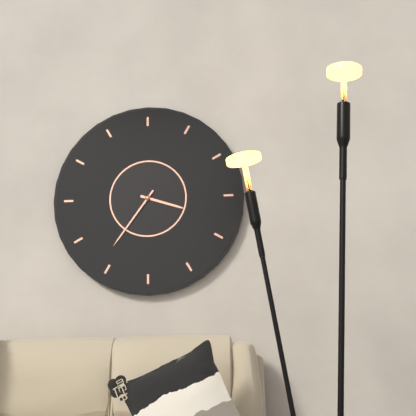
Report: 3.36
